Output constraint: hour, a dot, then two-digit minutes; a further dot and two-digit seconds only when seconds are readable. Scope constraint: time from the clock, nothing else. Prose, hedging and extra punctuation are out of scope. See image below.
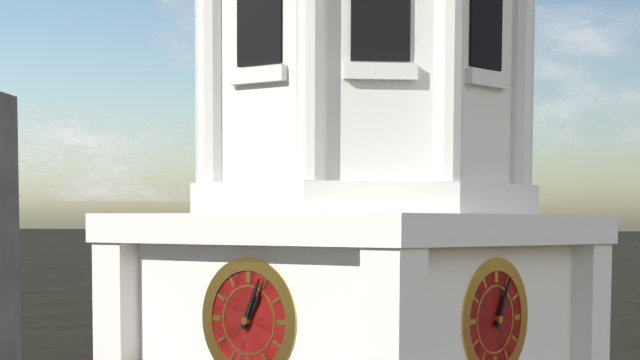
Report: 1.04
